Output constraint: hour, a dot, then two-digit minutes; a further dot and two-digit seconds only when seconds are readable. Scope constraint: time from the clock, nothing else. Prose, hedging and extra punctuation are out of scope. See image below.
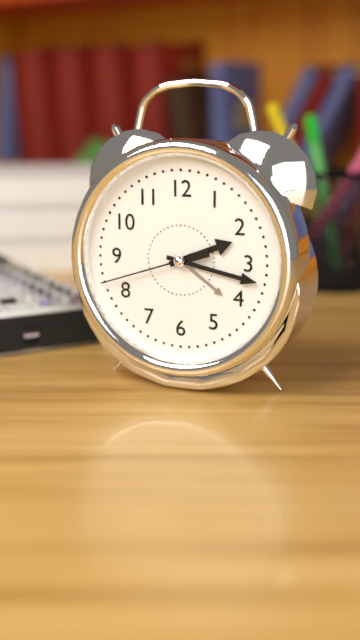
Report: 2.17.42
